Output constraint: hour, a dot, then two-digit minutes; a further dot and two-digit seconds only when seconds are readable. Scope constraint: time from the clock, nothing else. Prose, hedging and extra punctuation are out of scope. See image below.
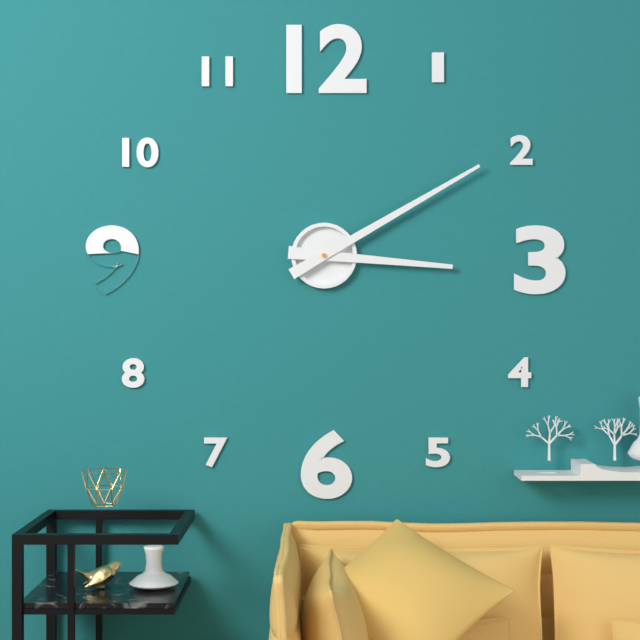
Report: 3.10
